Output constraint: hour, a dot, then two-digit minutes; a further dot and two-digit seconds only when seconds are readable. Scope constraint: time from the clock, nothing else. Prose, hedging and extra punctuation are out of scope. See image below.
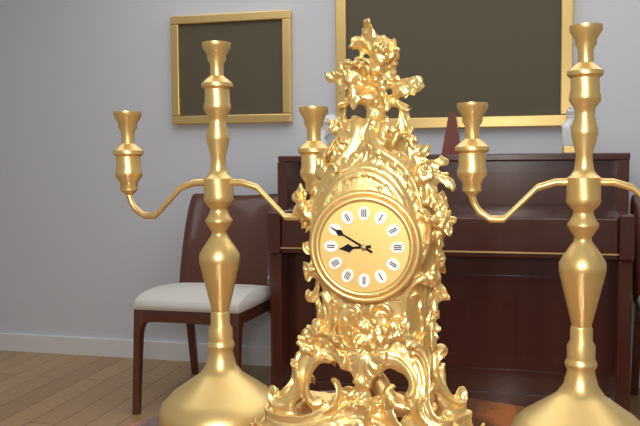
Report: 8.50
